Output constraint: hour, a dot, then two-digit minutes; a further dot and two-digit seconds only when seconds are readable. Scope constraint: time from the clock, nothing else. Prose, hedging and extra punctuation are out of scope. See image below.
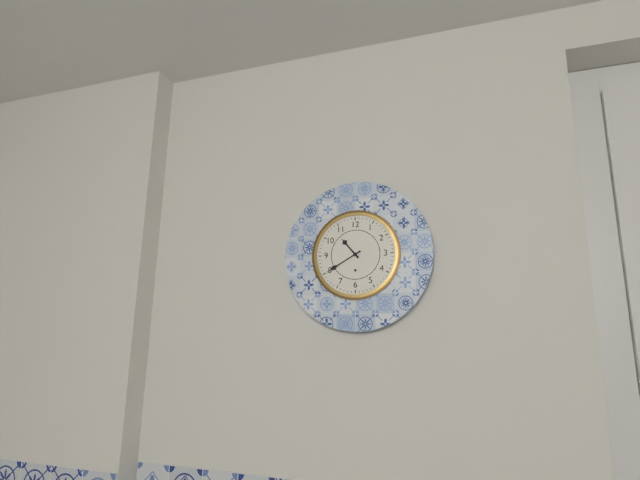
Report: 10.40
